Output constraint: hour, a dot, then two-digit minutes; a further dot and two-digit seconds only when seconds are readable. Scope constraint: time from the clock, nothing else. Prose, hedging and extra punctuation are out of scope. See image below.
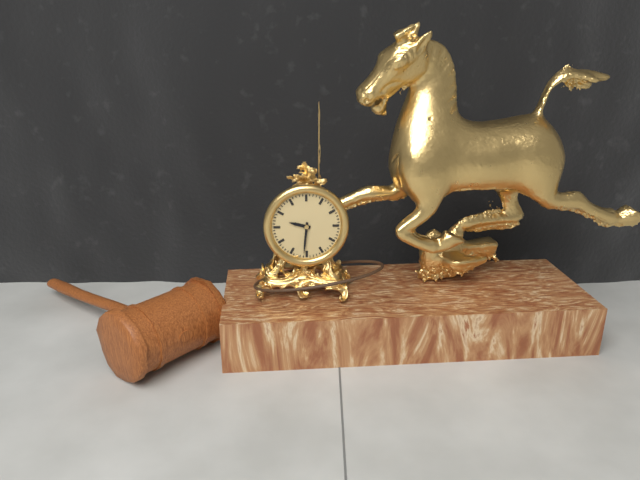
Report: 9.31
